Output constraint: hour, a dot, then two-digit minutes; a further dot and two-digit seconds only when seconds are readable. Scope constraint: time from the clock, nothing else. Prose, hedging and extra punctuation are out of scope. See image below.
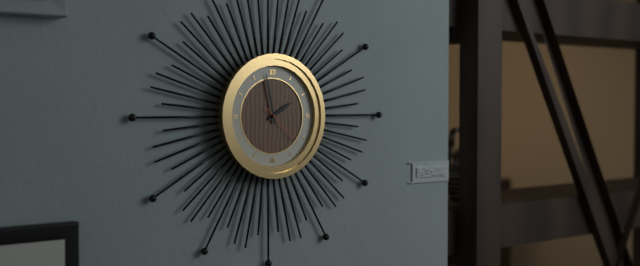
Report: 1.58.22
